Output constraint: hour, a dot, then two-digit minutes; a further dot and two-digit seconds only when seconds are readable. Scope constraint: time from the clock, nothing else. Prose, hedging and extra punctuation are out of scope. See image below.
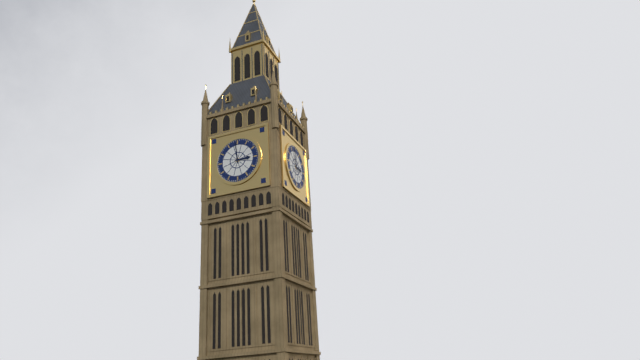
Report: 2.59
